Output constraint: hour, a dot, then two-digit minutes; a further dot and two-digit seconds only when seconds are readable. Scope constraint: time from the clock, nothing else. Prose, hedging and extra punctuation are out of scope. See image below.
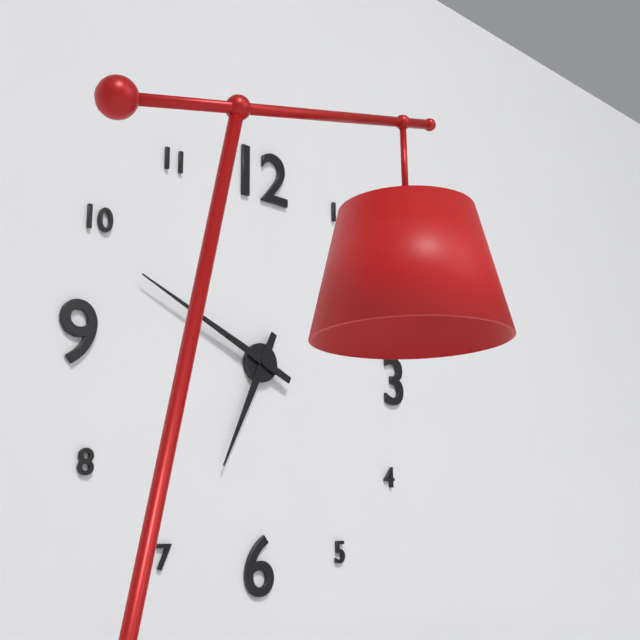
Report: 6.49
